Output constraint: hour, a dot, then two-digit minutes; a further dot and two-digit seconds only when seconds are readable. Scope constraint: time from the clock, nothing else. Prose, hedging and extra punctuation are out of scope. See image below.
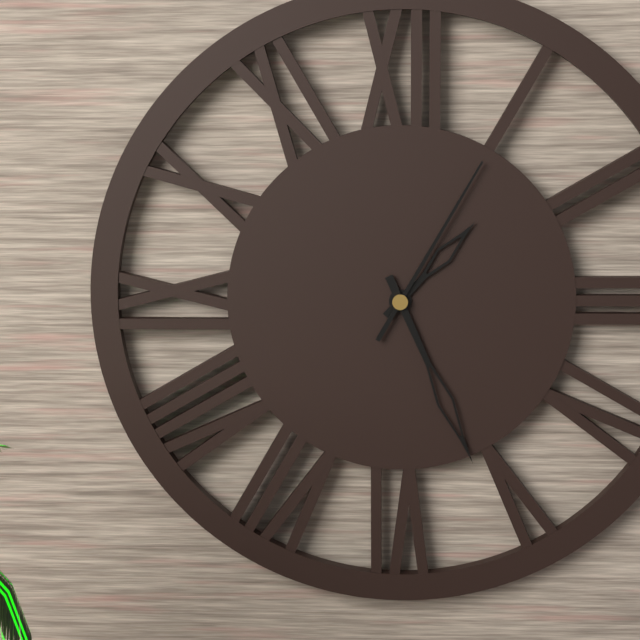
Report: 1.26.05
